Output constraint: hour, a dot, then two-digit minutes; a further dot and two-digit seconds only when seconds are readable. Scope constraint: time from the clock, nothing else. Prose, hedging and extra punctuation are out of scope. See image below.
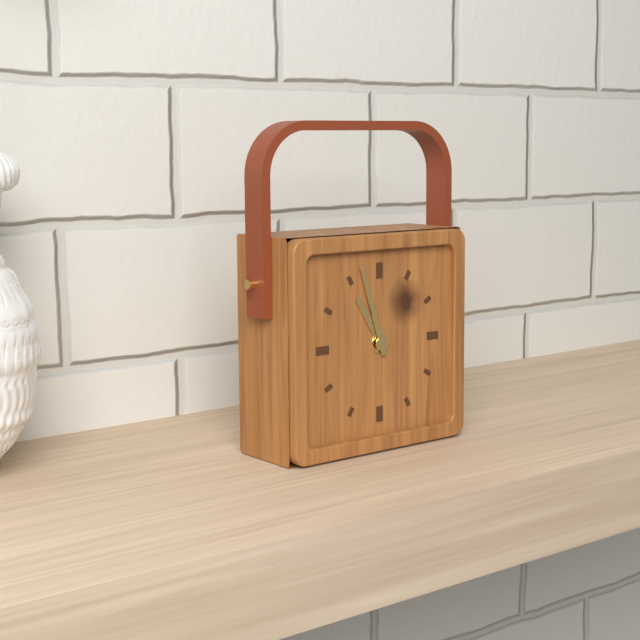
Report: 10.57
